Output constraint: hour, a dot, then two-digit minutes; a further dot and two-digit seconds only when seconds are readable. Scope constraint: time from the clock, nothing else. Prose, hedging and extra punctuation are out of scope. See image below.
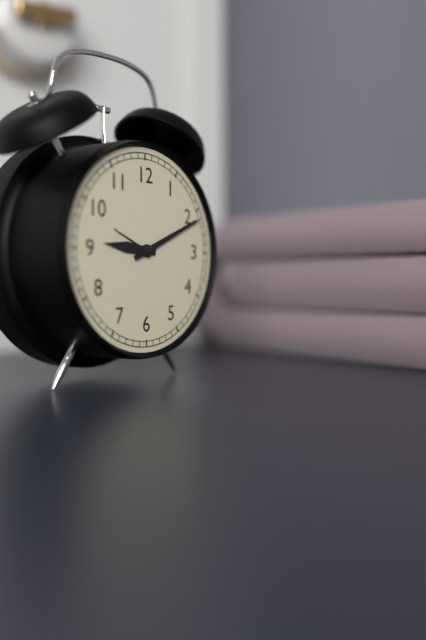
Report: 9.11
